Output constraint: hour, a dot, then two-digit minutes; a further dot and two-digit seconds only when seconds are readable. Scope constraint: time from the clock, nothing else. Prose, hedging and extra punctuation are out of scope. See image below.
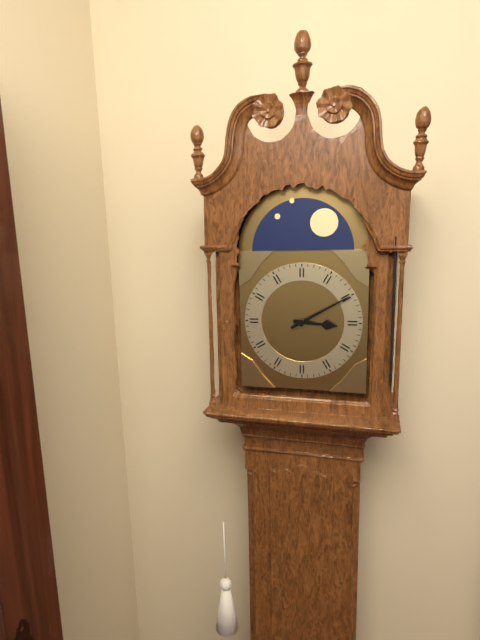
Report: 3.10
